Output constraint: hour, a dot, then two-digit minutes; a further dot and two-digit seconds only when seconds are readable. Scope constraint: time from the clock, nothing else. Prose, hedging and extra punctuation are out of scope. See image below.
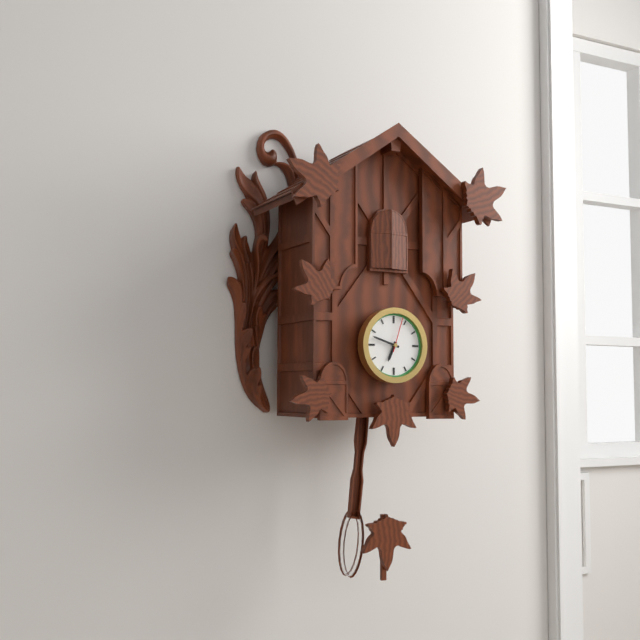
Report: 6.48
